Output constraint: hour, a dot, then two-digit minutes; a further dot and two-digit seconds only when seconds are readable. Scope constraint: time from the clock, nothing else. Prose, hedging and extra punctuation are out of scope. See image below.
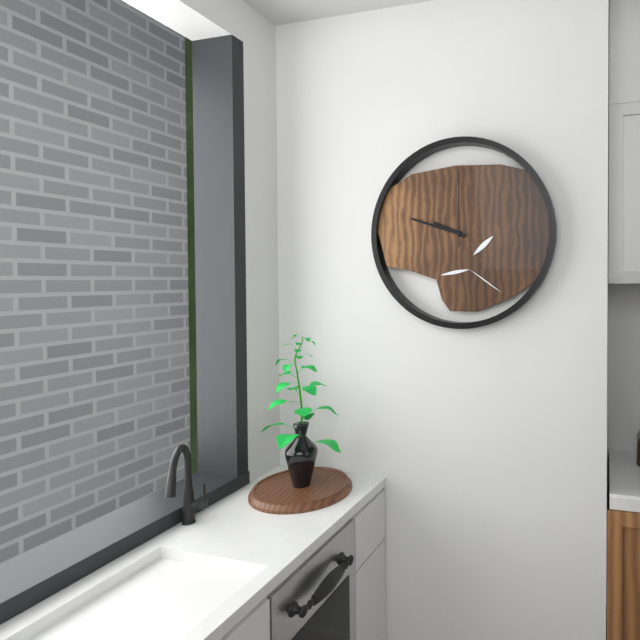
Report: 9.48.00
